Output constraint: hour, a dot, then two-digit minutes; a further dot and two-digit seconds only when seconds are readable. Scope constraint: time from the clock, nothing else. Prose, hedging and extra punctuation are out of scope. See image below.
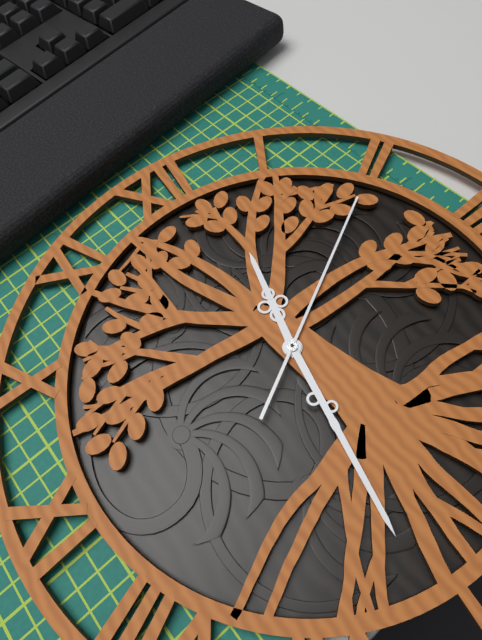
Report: 12.32.10
